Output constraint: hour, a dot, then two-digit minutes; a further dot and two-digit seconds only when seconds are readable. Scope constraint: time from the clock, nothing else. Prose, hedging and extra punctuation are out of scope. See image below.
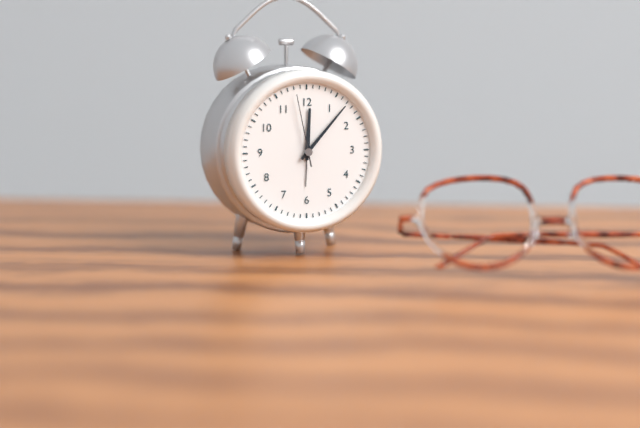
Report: 12.07.58
